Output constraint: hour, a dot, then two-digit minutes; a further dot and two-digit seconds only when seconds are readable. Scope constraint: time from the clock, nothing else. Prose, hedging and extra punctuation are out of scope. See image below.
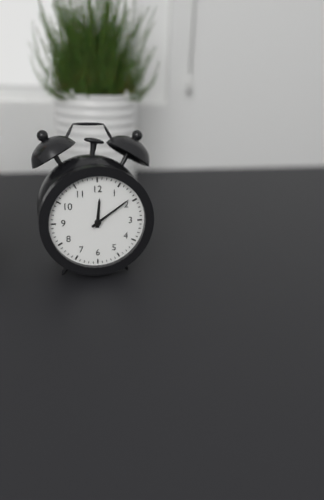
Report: 12.09
